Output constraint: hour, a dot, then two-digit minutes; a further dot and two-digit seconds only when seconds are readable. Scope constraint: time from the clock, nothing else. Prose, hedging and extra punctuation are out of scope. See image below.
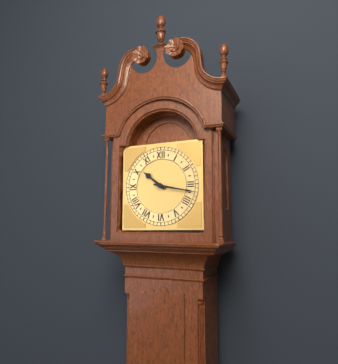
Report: 10.17
